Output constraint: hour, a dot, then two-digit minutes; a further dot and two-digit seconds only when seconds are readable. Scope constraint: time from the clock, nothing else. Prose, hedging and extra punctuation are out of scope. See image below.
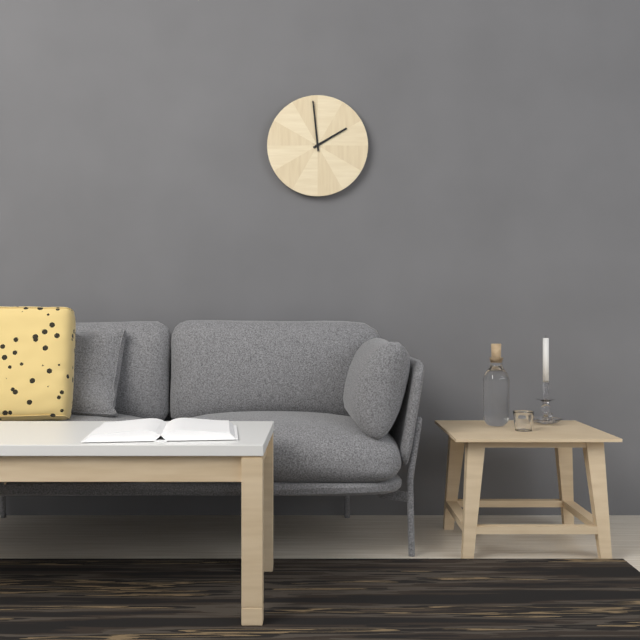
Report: 1.59
